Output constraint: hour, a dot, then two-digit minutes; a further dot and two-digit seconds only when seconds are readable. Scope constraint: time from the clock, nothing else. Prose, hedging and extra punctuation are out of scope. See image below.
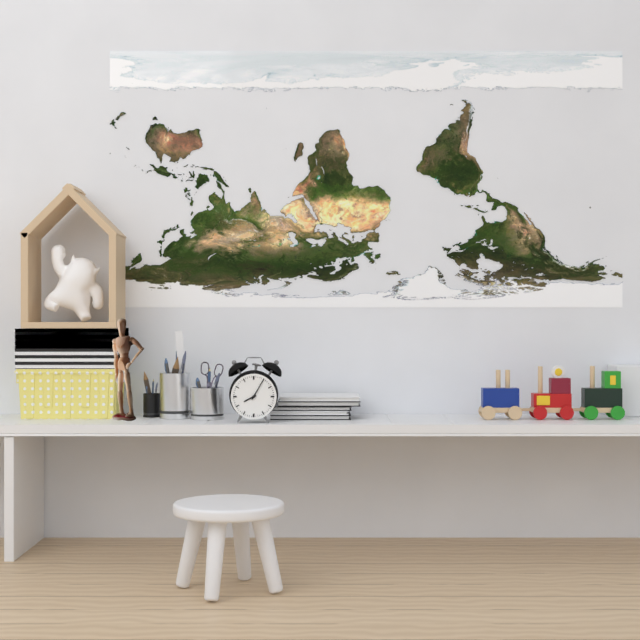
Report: 8.05
